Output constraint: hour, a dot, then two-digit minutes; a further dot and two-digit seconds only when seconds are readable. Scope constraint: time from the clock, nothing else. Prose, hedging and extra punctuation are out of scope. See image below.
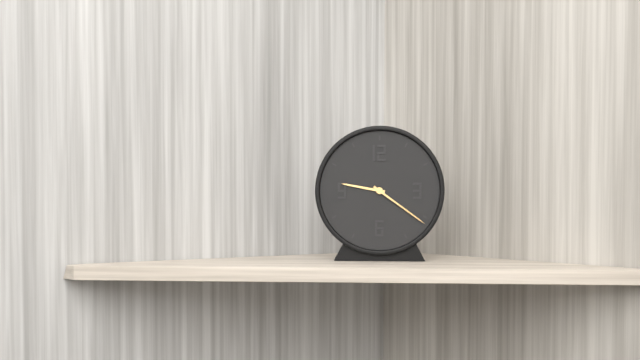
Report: 9.21
